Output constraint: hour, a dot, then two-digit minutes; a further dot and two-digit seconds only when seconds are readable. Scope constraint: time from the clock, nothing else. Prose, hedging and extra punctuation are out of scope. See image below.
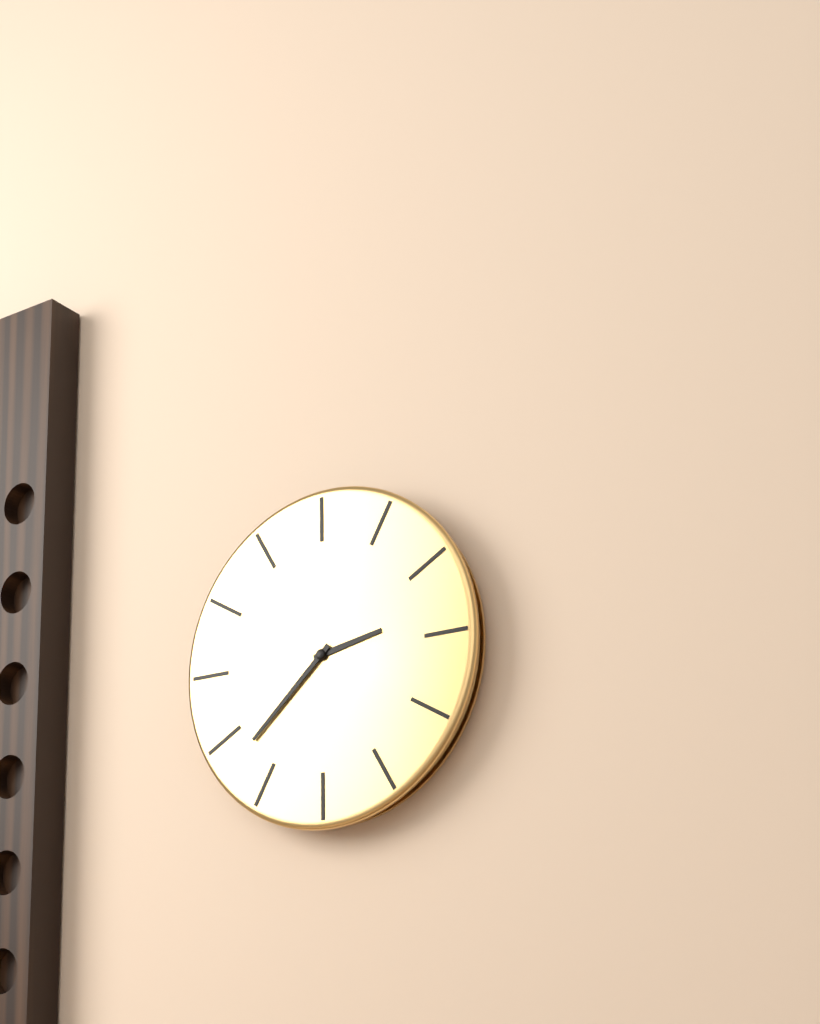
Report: 2.38
